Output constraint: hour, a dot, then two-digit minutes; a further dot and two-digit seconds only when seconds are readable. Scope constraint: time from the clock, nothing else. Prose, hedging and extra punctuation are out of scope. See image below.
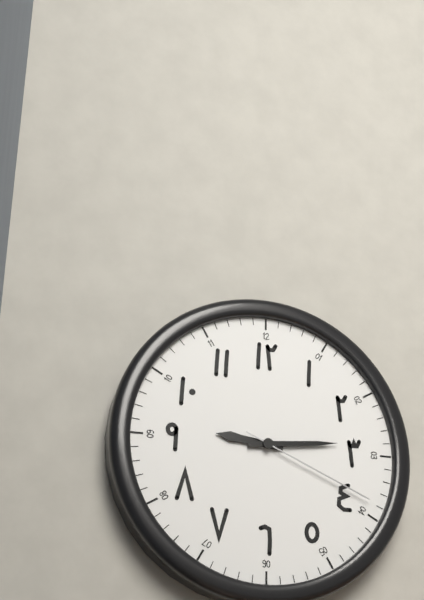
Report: 9.14.19
